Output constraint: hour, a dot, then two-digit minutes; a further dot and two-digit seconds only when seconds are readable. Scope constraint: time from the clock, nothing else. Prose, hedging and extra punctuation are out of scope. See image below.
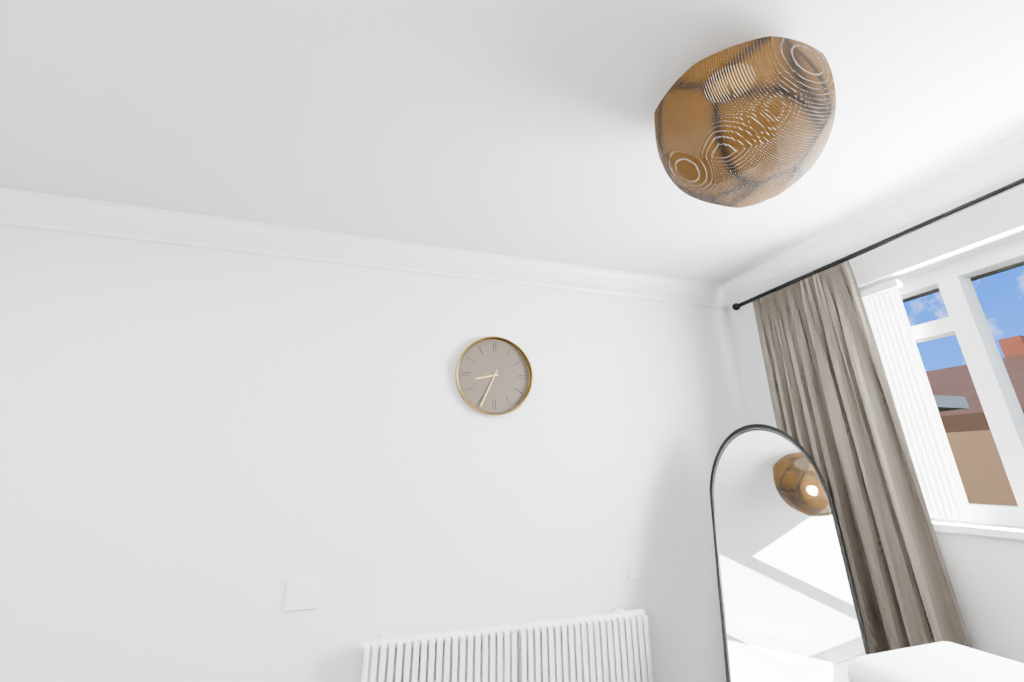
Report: 8.34
